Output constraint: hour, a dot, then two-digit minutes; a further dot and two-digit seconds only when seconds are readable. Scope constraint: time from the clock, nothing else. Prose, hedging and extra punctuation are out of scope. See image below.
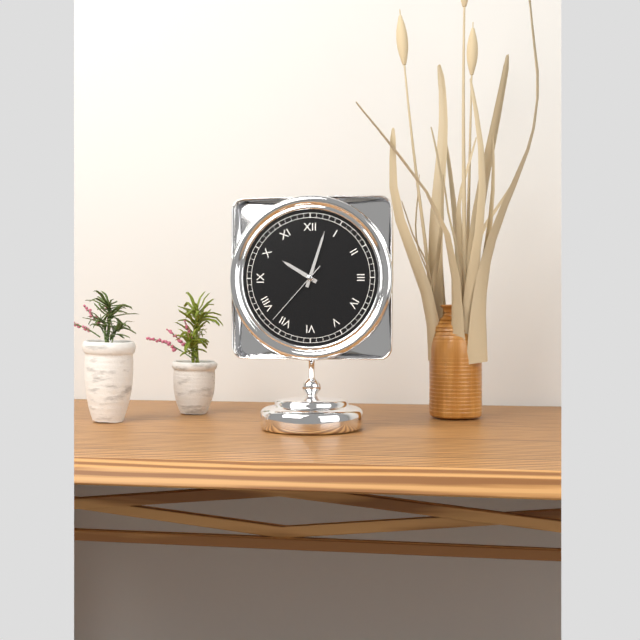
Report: 10.03.37
